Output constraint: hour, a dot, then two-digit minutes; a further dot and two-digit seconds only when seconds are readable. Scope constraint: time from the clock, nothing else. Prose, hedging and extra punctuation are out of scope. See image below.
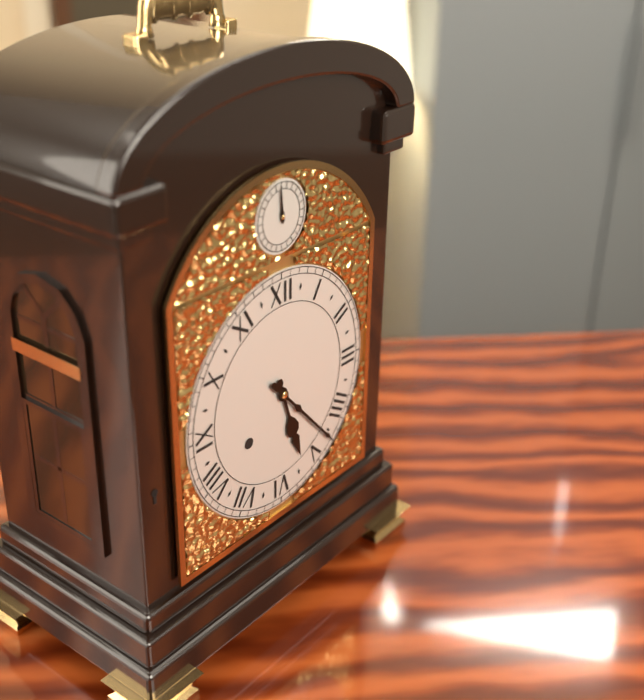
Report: 5.23
